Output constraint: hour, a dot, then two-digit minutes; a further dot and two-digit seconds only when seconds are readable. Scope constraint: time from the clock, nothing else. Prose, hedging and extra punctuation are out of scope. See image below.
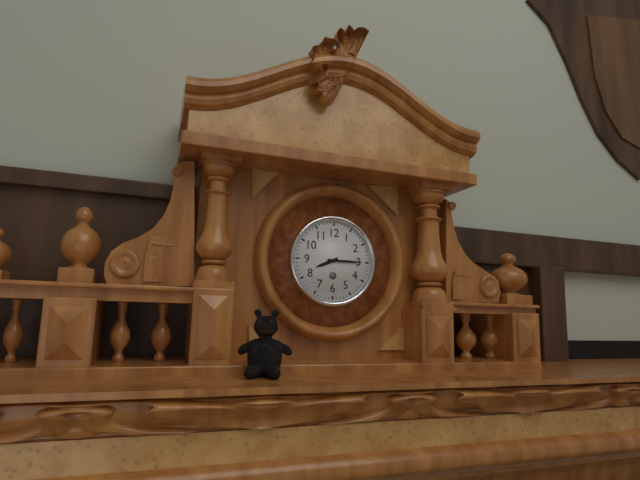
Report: 8.15
